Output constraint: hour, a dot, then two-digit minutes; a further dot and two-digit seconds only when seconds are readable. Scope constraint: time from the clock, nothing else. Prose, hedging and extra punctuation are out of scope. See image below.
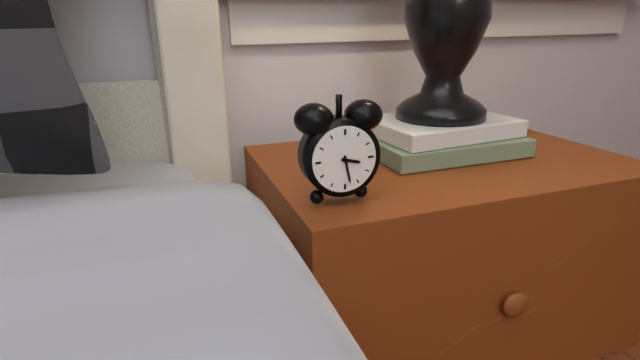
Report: 3.28
